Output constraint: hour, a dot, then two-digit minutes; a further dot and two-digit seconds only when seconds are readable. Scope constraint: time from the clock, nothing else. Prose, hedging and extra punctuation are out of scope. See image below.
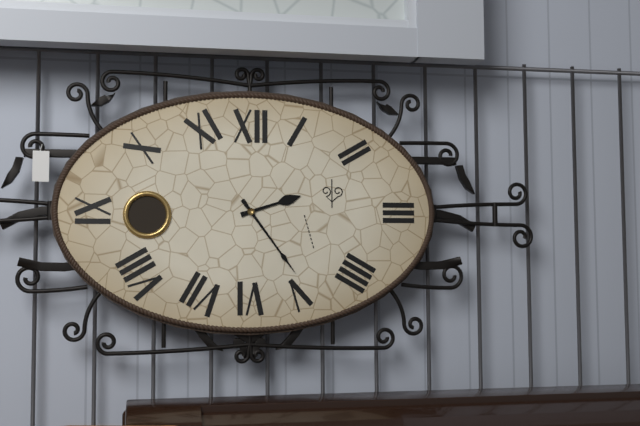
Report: 2.24
